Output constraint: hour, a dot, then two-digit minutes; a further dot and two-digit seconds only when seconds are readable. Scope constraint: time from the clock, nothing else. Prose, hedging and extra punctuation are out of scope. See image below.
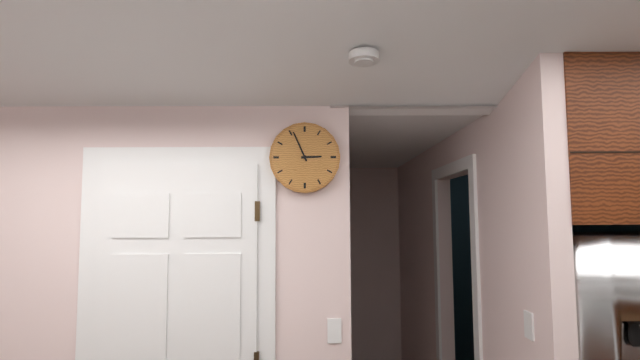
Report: 2.56
